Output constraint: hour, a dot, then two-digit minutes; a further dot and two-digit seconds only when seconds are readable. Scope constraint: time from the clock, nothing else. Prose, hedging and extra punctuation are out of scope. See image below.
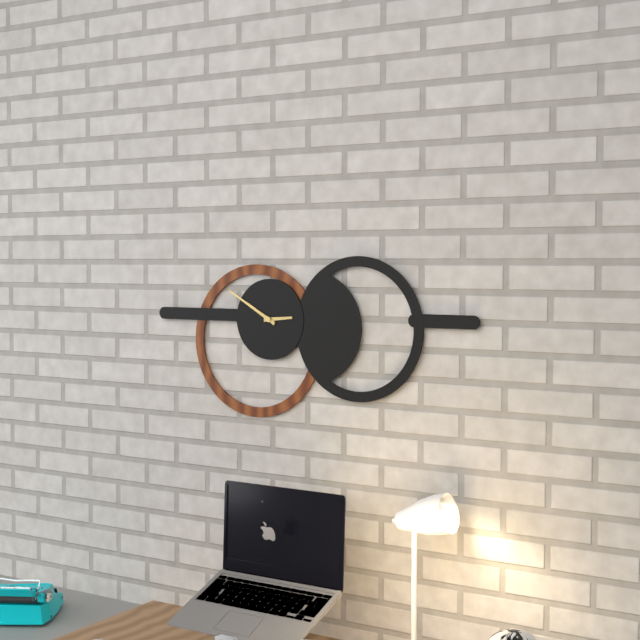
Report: 2.50
